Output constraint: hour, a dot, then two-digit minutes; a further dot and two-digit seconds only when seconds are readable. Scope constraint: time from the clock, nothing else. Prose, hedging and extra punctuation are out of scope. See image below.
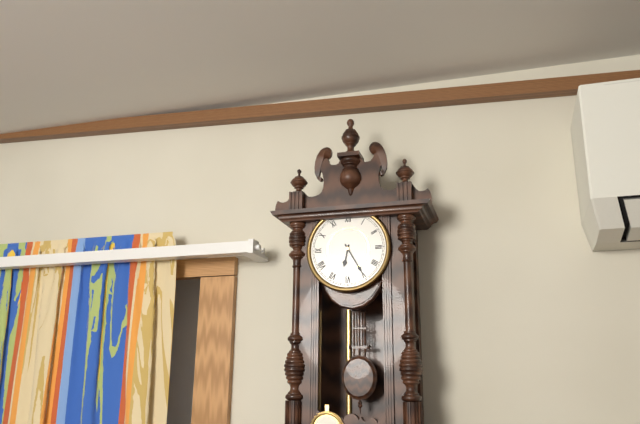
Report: 6.25
